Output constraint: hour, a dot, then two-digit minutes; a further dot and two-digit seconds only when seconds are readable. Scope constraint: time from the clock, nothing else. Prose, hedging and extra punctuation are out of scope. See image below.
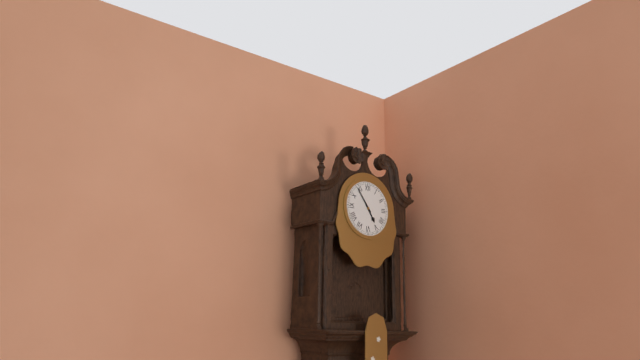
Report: 4.54
